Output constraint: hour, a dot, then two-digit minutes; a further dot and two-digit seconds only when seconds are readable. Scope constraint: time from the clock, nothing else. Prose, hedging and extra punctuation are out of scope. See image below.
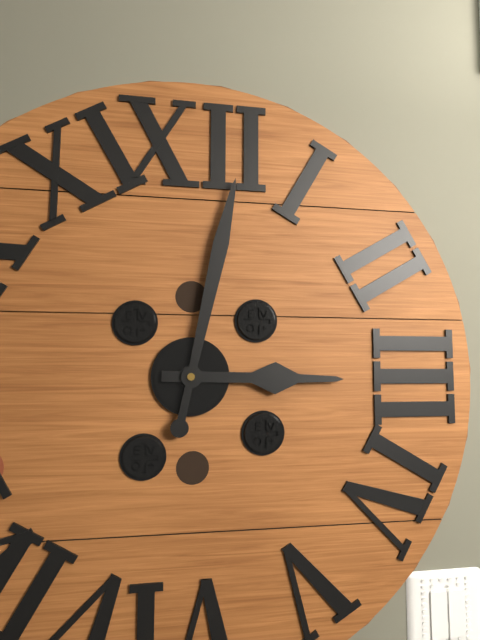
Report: 3.02
